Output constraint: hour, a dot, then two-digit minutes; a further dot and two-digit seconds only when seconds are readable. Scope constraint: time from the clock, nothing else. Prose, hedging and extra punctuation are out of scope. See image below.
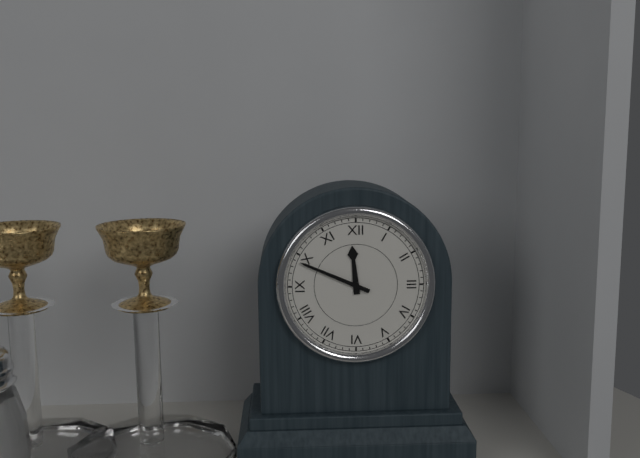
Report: 11.49
